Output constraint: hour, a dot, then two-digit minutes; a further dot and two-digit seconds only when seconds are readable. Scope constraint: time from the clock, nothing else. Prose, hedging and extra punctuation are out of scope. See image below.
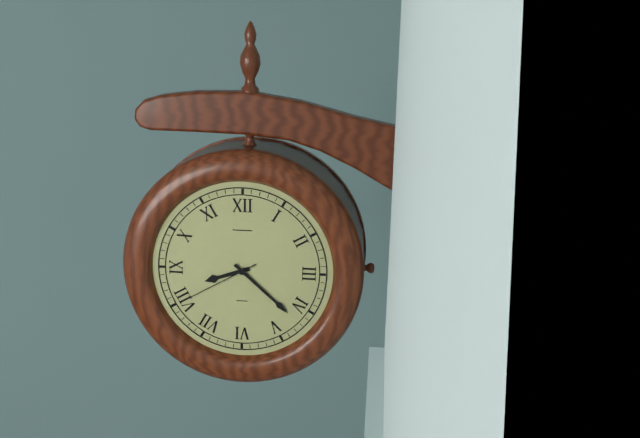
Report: 8.22.40
